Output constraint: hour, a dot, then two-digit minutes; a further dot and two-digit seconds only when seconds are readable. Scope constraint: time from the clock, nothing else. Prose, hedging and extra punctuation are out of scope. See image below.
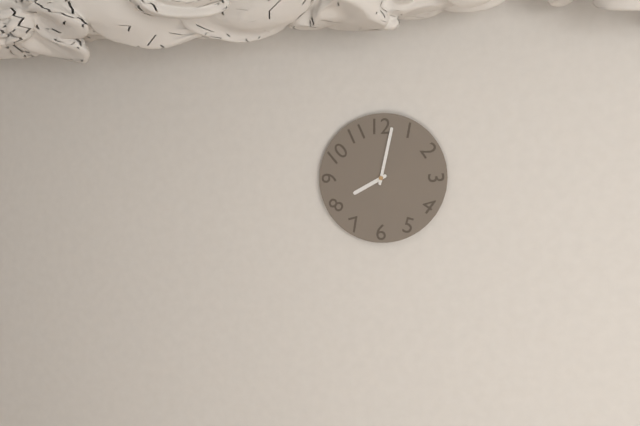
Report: 8.02
